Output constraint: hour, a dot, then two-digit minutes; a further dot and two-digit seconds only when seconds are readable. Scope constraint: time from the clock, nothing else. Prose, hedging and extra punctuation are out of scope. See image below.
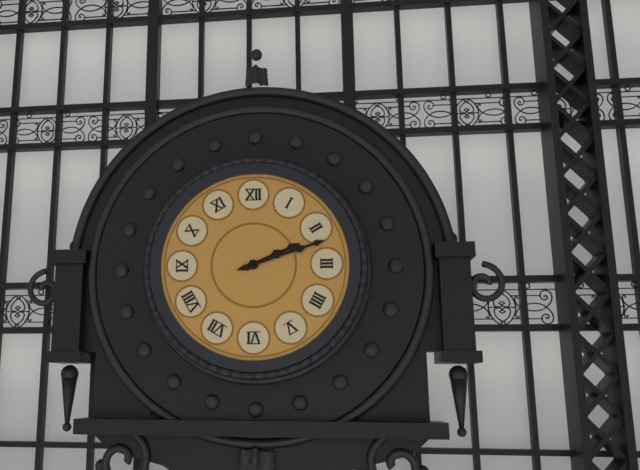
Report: 2.12
